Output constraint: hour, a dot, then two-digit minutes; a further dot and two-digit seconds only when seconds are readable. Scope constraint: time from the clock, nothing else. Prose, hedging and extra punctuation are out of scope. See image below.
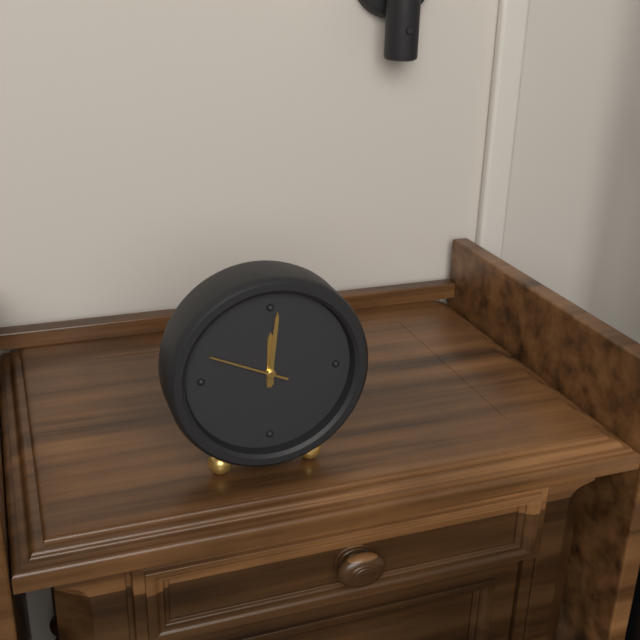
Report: 12.01.49
